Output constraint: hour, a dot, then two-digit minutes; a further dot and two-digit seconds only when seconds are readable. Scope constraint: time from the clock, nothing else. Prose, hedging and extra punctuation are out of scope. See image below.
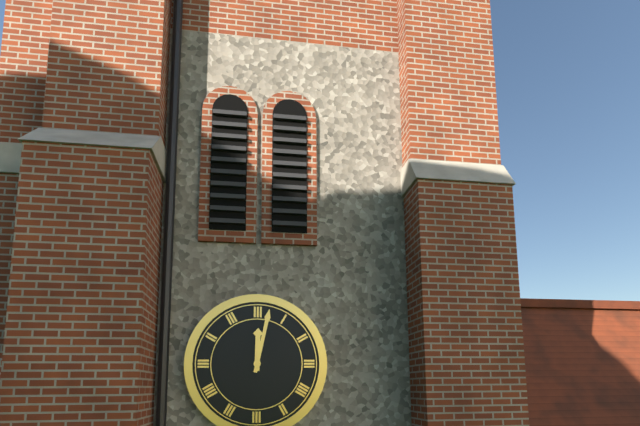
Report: 12.02
